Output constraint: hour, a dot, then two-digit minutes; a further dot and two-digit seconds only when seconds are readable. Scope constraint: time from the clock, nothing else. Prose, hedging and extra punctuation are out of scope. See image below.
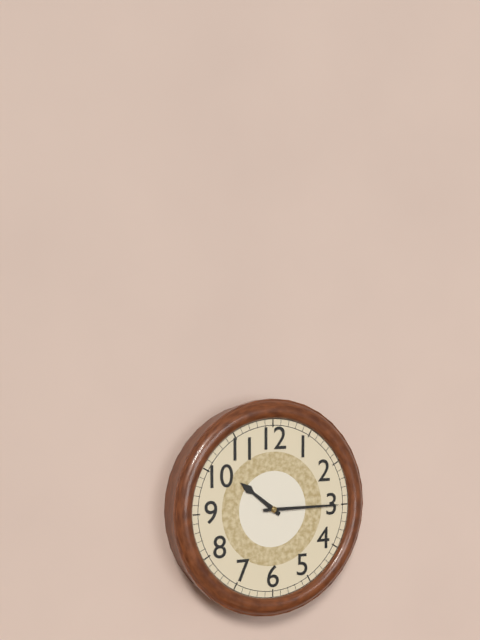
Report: 10.15
